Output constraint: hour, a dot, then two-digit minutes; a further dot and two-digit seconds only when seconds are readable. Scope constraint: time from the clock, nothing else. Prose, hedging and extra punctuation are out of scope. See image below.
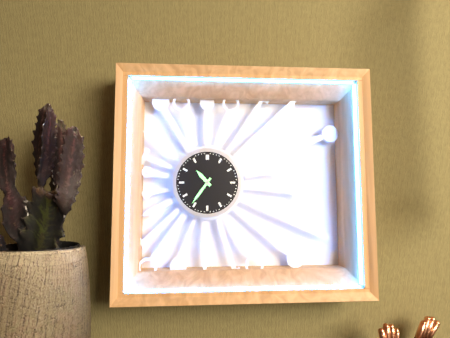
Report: 10.36
